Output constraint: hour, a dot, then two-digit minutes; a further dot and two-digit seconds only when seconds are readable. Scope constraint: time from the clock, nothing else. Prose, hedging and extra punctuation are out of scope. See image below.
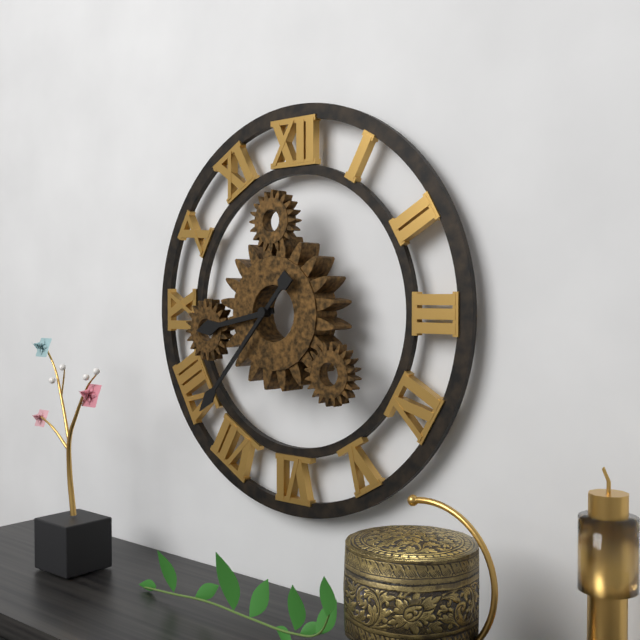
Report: 8.37
